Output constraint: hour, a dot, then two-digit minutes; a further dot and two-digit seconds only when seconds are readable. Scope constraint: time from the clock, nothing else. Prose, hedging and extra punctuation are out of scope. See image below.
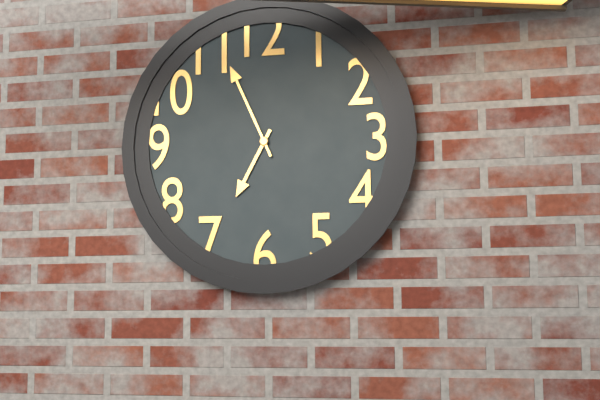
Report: 6.56
